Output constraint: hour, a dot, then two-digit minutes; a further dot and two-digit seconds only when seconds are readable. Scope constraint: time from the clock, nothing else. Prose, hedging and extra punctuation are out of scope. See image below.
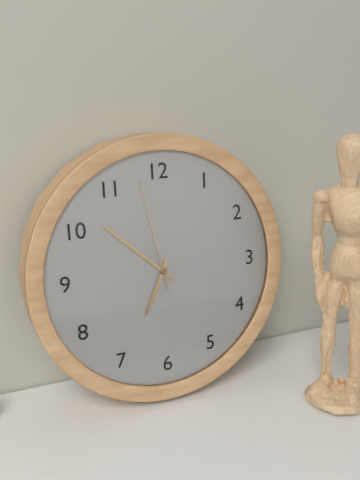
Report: 6.52.58
